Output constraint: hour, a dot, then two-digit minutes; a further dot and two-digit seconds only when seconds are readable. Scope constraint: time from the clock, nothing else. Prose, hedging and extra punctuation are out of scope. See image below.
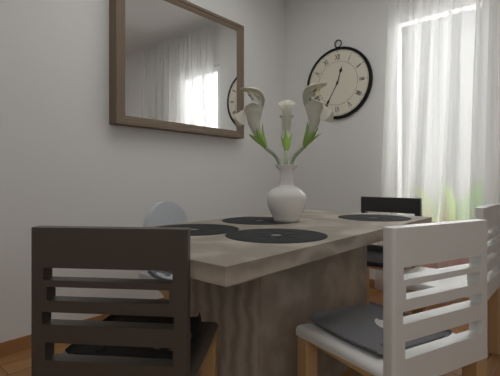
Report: 12.35
